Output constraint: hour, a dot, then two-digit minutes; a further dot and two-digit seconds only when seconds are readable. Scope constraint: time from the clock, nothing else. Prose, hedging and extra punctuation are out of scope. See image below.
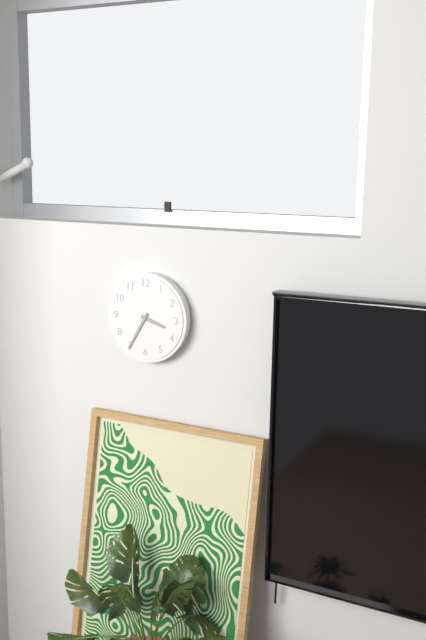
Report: 3.35
